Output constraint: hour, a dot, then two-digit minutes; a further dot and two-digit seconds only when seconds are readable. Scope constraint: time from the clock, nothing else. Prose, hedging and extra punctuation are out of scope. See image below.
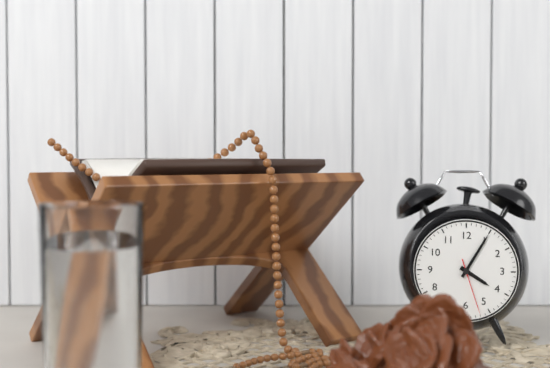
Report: 4.05.27
